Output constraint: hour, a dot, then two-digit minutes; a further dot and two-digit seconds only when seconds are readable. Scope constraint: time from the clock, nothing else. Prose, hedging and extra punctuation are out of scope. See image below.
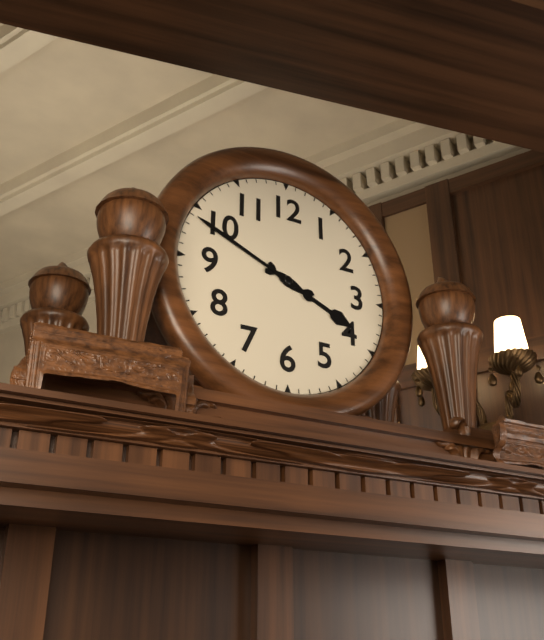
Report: 3.49
